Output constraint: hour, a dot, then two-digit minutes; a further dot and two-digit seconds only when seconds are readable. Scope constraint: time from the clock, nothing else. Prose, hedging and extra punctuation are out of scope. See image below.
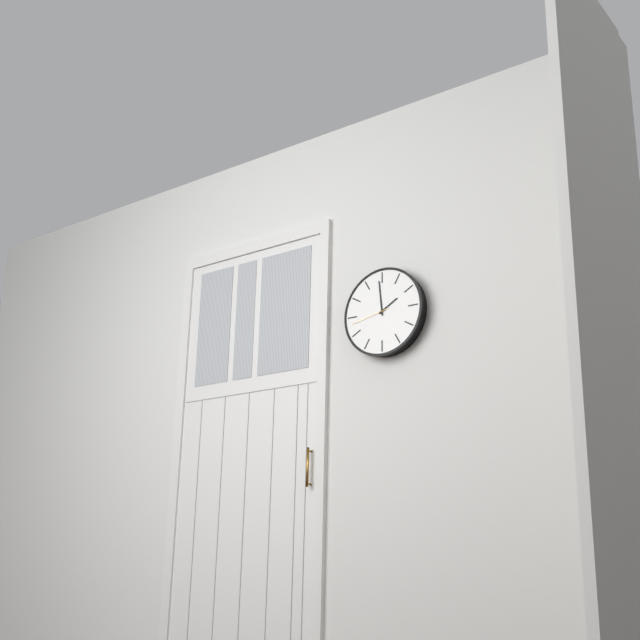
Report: 1.59
